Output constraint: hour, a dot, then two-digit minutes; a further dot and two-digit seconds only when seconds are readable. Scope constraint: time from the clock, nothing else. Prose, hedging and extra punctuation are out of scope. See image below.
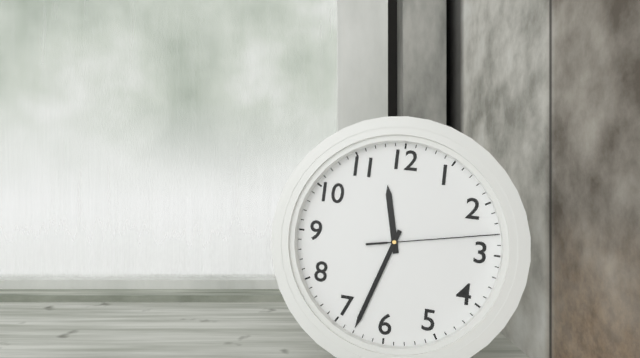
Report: 11.33.13
